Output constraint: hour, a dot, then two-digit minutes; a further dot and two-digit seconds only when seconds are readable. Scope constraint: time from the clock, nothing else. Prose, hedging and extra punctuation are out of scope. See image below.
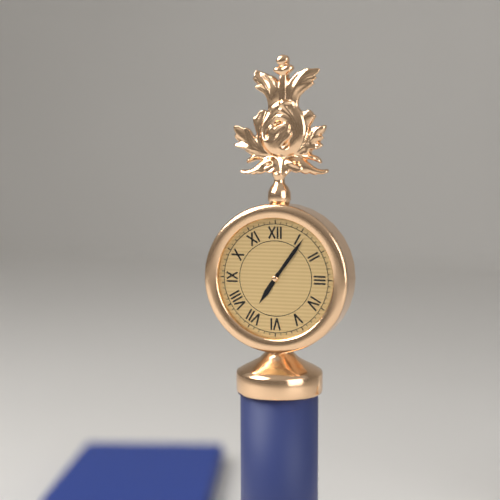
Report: 7.06
